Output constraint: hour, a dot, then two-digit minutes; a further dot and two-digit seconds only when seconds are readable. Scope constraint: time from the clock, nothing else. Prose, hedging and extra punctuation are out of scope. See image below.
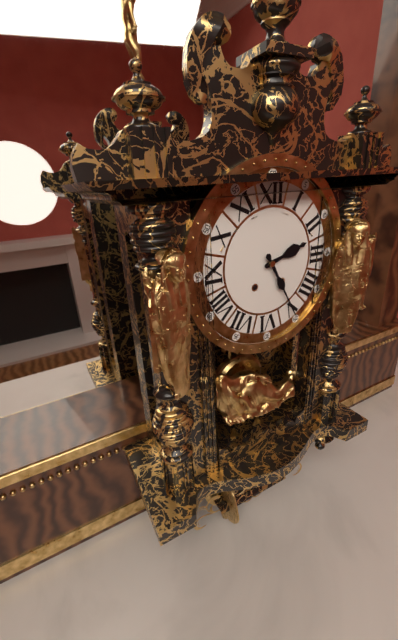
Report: 2.25
